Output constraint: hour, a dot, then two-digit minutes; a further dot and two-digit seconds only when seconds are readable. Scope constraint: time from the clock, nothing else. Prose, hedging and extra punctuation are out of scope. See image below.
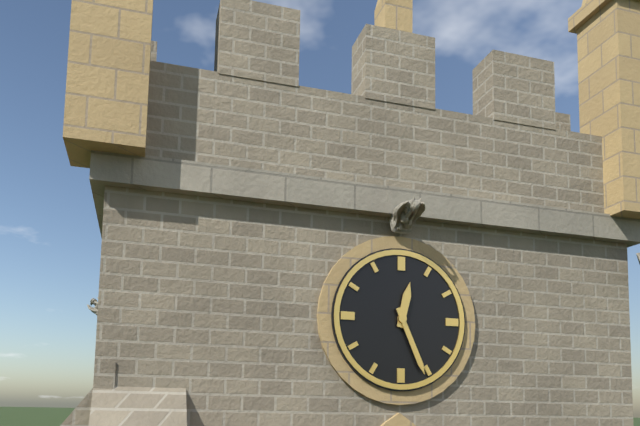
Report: 12.26
